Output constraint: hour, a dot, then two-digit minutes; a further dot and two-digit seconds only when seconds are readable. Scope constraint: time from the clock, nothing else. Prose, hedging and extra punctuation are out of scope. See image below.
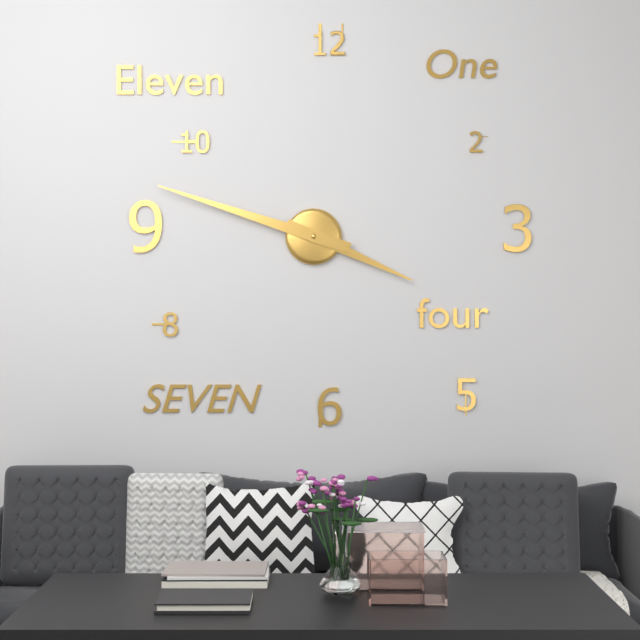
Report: 3.48
